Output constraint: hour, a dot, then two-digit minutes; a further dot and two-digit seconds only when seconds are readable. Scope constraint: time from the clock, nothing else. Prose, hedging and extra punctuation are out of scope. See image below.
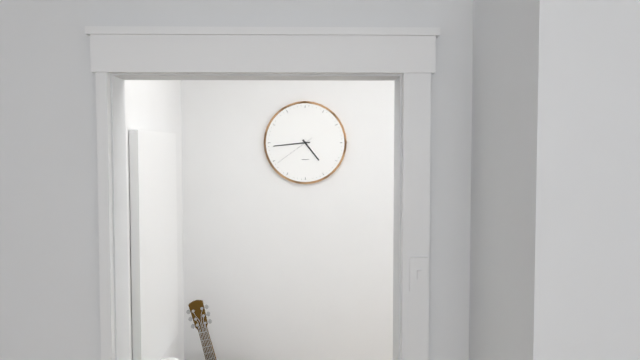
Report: 4.44
